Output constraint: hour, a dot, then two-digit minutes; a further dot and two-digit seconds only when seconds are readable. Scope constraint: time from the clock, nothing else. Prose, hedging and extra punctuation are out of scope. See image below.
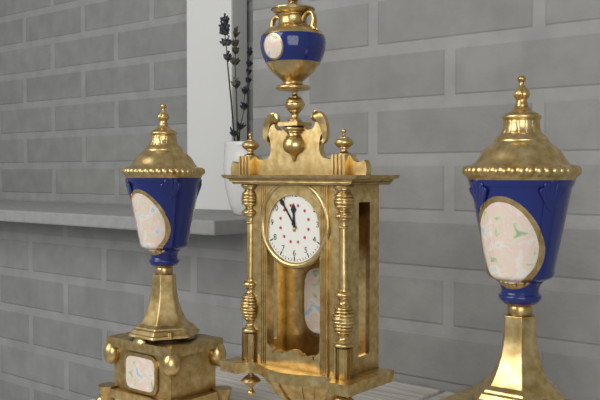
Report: 11.54
